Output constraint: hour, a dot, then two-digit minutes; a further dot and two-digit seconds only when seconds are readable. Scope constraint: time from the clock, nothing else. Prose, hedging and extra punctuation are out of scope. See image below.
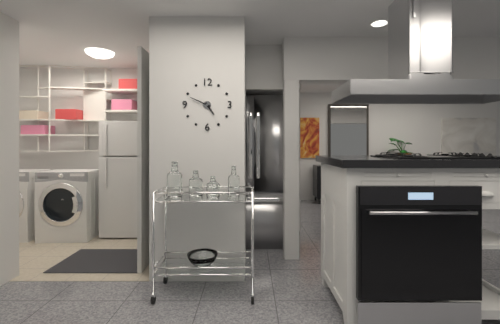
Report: 4.49
